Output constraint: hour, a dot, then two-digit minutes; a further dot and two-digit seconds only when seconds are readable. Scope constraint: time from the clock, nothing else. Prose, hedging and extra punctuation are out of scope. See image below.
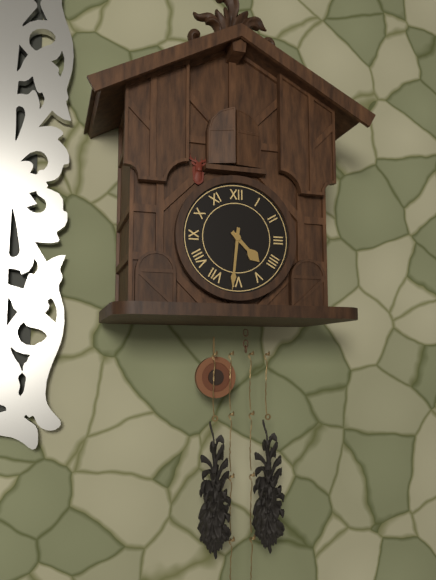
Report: 4.31
